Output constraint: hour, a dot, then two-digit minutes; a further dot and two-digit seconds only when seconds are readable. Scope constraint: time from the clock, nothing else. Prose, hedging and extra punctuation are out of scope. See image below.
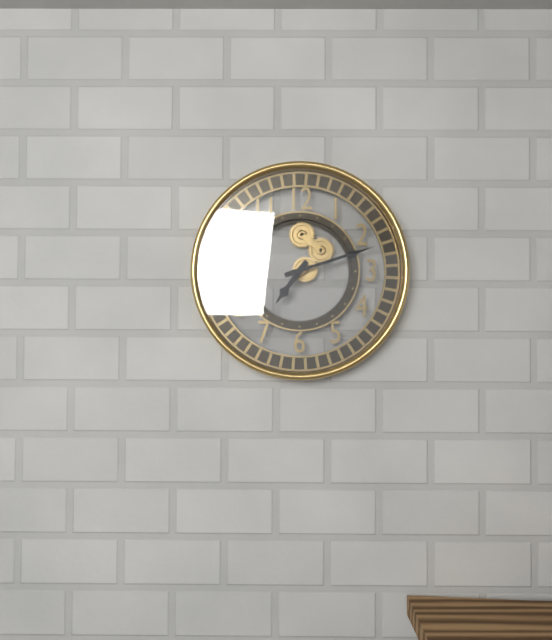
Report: 7.12
